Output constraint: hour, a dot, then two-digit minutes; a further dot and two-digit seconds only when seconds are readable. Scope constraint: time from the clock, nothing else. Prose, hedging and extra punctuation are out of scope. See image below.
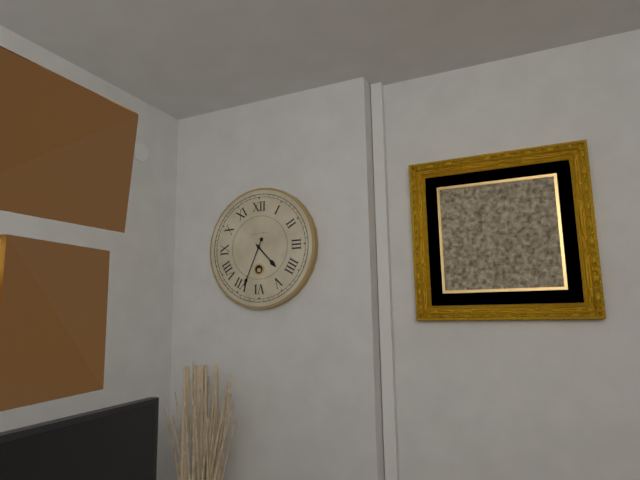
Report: 4.34
